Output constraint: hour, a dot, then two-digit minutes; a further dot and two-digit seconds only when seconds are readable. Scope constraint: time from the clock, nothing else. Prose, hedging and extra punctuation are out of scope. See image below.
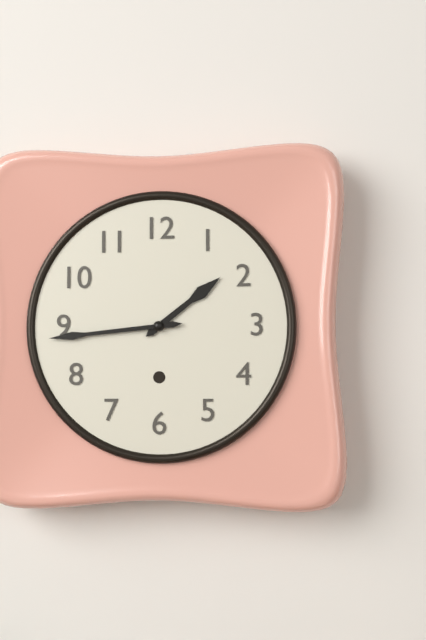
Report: 1.44
